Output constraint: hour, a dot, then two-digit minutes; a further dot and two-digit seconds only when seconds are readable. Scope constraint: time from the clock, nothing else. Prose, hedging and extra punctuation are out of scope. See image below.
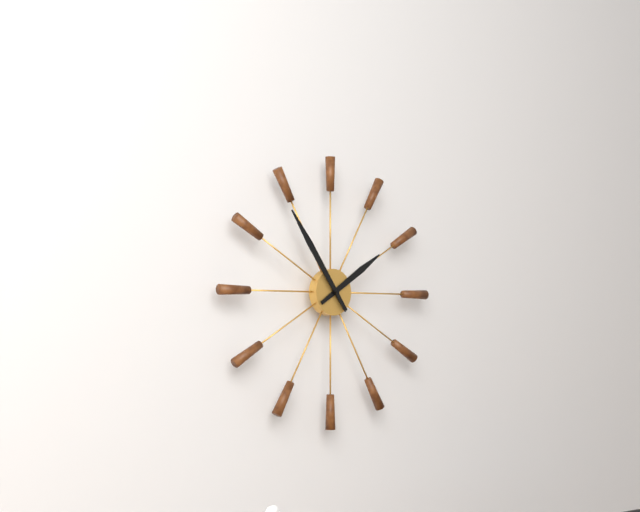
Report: 1.54
